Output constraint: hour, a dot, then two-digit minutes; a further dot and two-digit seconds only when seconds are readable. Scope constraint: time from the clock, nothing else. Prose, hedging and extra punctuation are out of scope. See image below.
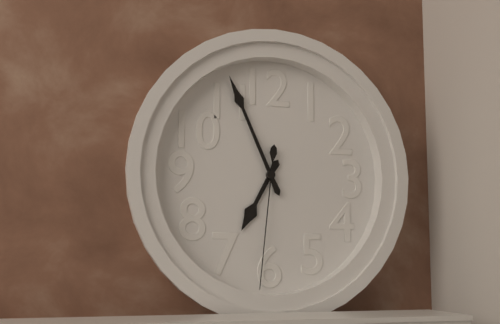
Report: 6.56.31
